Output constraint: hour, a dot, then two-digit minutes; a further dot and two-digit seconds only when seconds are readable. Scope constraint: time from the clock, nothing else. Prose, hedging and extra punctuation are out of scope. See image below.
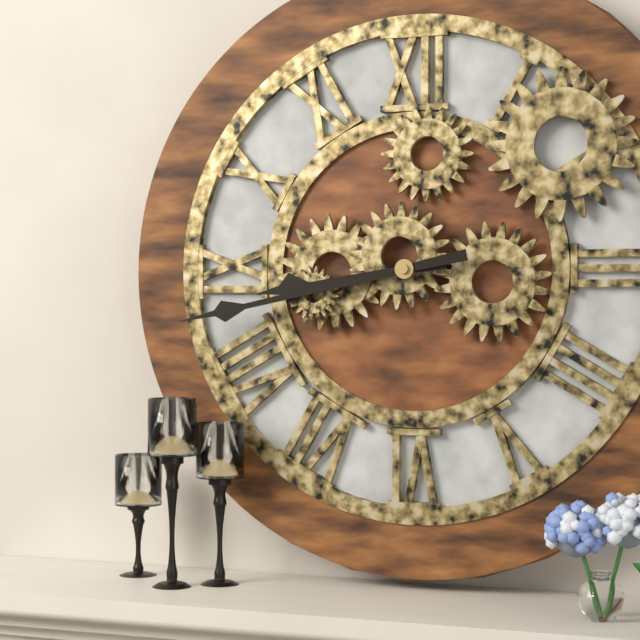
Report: 8.43
